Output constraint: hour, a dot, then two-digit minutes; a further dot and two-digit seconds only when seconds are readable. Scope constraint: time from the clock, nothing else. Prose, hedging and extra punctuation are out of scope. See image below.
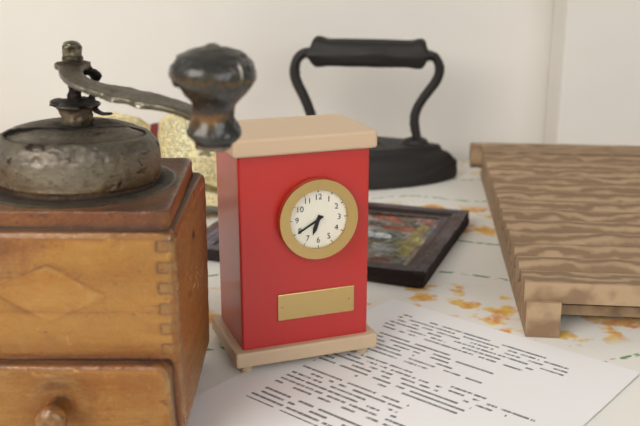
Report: 6.40
